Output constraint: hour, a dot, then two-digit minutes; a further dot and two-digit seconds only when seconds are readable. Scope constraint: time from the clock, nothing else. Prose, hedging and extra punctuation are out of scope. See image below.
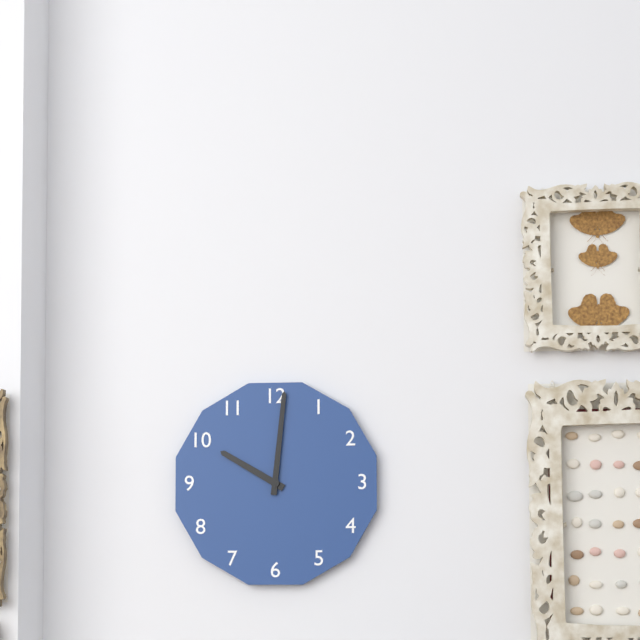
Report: 10.01
